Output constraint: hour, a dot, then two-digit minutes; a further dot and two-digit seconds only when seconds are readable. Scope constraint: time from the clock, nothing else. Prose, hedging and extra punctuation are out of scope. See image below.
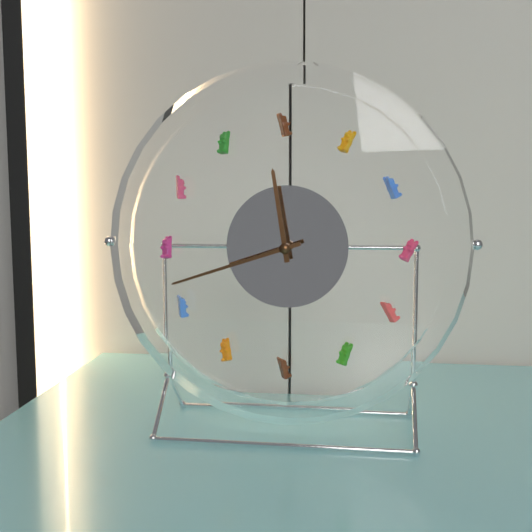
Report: 11.42
